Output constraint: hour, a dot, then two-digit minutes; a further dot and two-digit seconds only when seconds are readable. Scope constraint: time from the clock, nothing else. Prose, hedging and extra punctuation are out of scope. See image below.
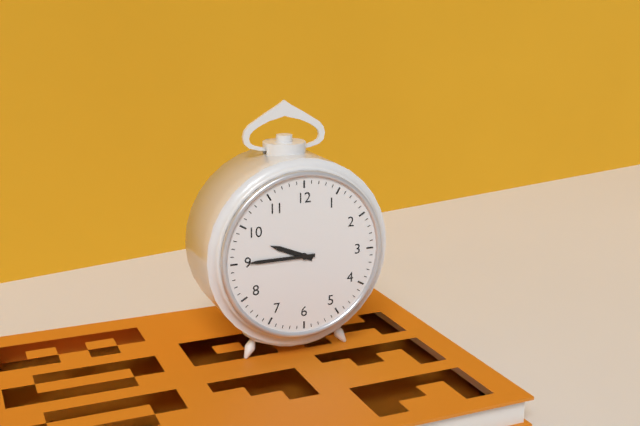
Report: 9.45
